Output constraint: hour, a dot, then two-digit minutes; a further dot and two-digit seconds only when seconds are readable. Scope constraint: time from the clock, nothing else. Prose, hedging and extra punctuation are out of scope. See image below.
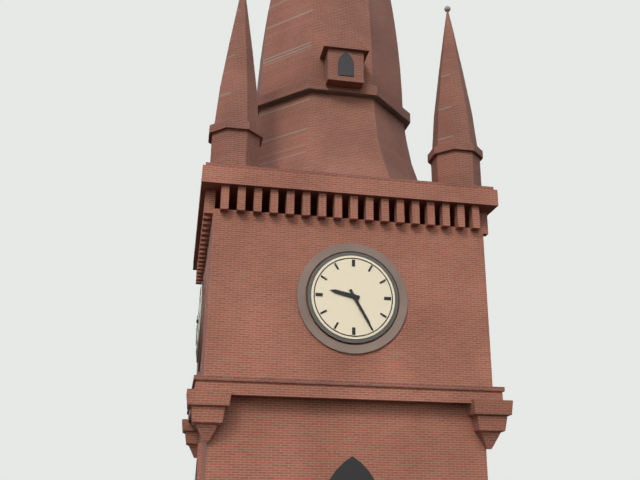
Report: 9.25
